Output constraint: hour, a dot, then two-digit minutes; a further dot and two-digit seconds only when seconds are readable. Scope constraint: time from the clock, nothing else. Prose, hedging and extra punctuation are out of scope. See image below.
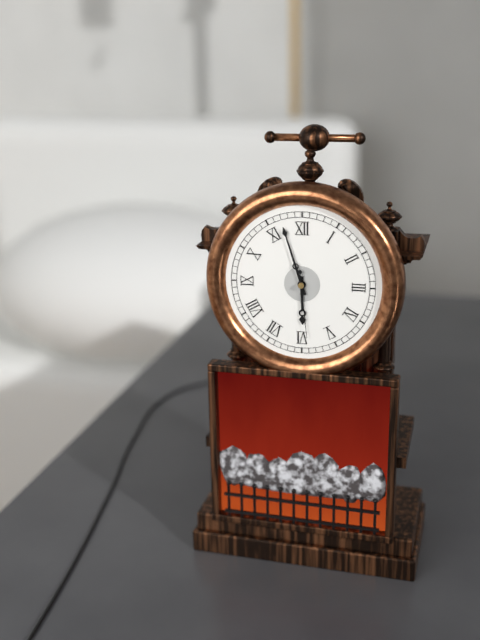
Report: 5.57.29
